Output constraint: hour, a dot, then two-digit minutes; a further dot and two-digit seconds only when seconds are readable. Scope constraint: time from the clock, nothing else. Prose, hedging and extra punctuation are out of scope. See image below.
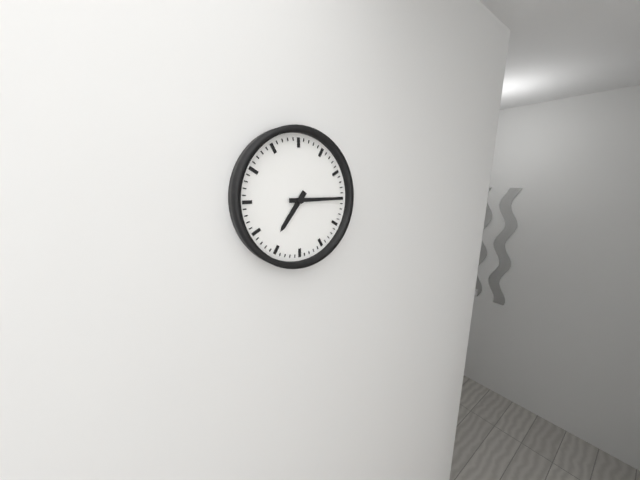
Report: 7.15
